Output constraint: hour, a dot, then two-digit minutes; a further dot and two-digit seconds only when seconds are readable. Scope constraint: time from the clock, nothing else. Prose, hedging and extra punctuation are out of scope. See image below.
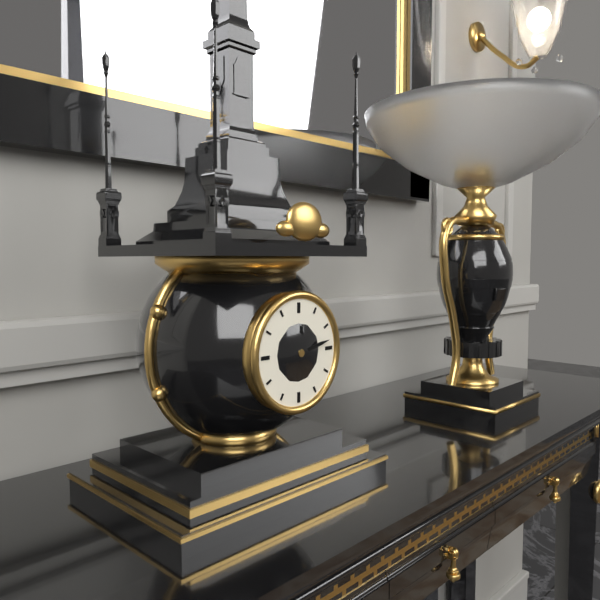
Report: 12.13
